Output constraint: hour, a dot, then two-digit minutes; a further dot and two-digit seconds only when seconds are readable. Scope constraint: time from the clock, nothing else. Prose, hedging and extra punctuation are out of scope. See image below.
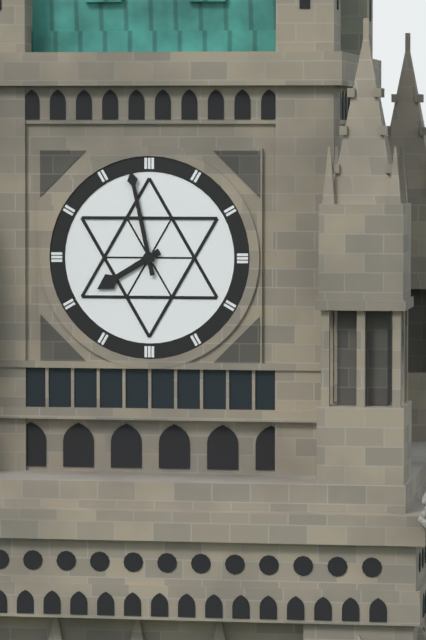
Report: 7.58
